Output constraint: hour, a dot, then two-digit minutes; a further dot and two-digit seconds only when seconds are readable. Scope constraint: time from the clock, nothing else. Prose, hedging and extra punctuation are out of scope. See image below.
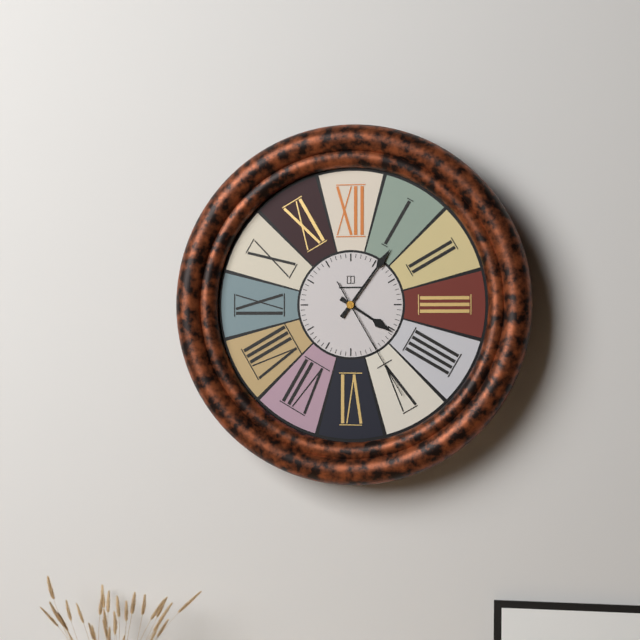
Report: 4.06.25
